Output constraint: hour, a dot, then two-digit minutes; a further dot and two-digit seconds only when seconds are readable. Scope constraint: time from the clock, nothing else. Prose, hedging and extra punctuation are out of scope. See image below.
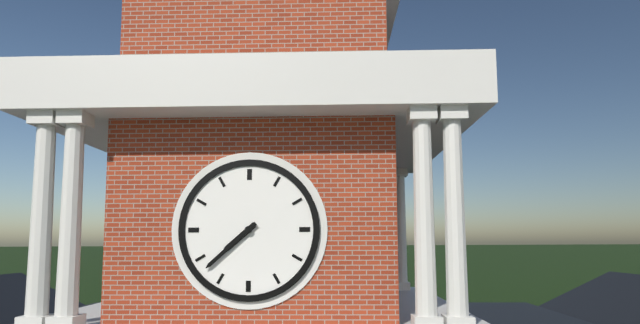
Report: 7.38
